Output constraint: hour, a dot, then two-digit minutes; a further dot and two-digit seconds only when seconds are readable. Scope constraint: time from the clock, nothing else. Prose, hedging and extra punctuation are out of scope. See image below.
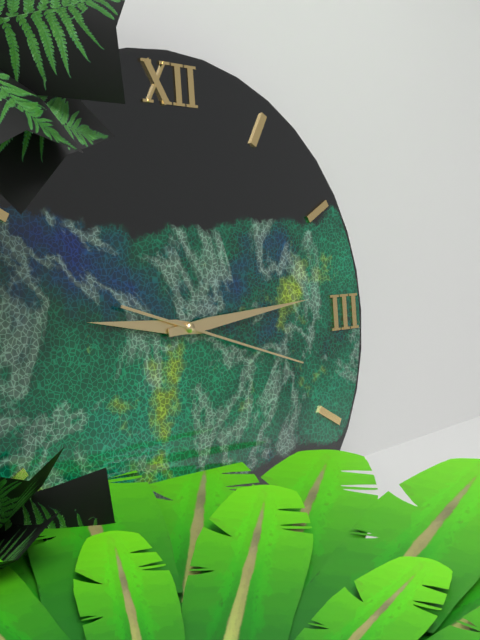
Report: 9.14.18
